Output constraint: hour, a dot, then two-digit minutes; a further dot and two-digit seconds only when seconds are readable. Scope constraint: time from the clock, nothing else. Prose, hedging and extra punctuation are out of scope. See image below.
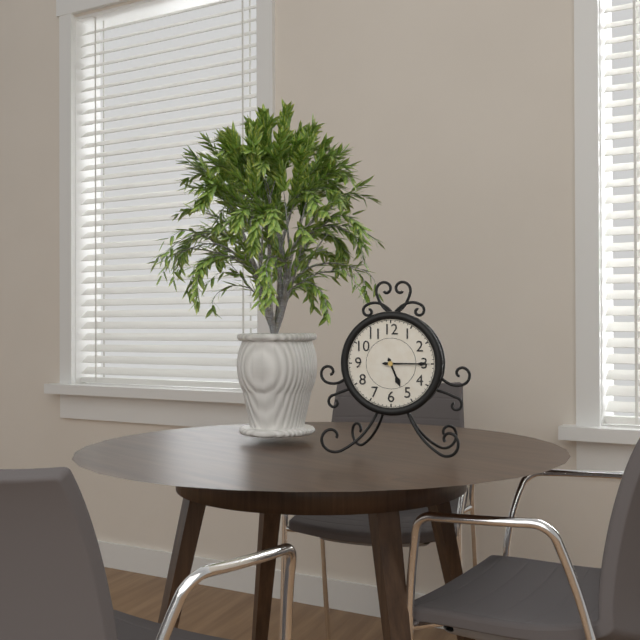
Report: 5.15
